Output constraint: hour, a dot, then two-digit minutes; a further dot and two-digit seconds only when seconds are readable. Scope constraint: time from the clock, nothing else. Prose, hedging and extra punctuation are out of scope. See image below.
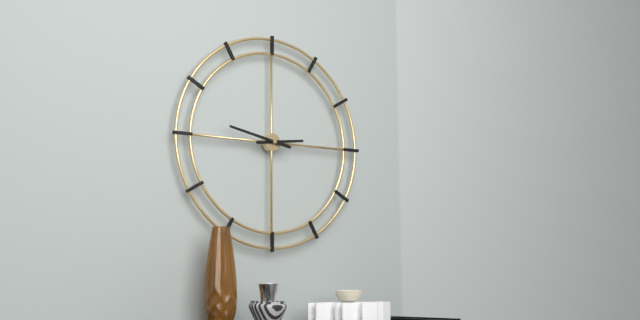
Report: 2.47
